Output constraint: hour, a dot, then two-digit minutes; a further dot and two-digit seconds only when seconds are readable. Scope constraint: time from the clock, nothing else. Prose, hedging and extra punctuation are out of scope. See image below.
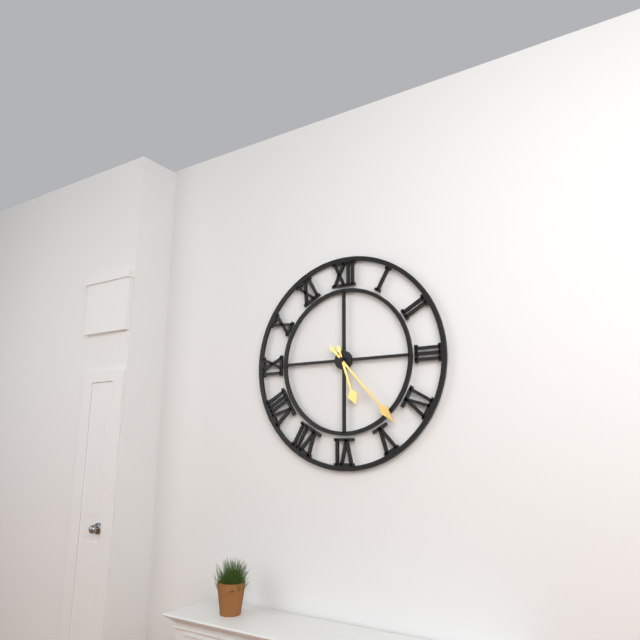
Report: 5.23
